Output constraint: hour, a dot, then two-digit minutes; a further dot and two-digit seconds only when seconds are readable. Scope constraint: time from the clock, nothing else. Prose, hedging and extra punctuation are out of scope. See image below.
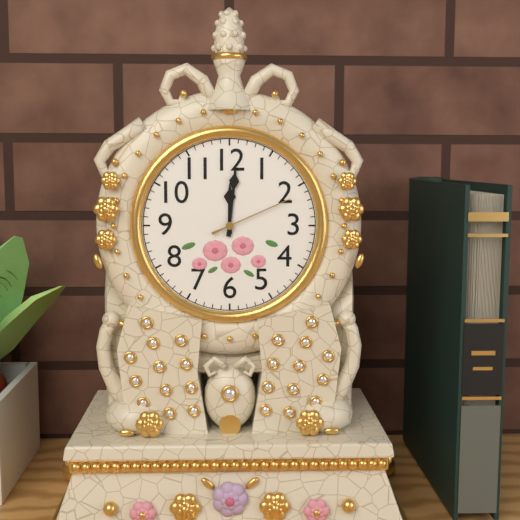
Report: 12.01.11
